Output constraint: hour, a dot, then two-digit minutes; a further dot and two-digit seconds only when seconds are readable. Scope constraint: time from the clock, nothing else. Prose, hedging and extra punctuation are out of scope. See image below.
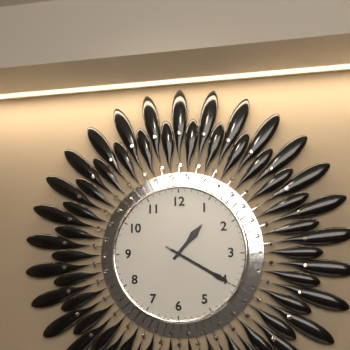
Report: 1.20.20
